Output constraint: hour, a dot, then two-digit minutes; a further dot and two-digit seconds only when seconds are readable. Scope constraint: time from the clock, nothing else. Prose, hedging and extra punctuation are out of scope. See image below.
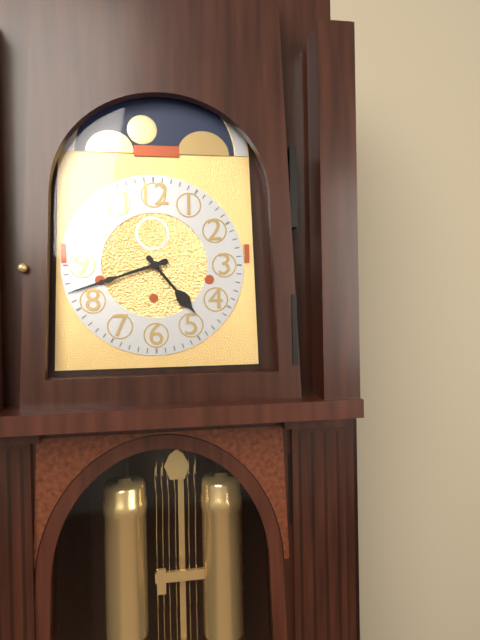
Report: 4.42
